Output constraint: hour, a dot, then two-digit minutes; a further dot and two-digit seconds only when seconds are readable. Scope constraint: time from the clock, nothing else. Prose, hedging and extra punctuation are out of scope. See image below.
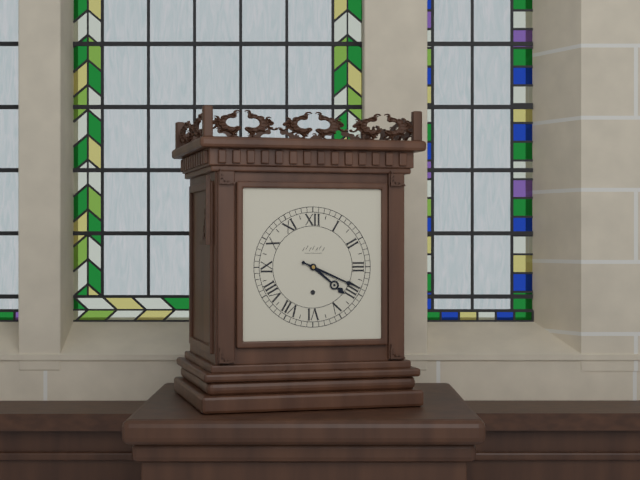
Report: 4.19
